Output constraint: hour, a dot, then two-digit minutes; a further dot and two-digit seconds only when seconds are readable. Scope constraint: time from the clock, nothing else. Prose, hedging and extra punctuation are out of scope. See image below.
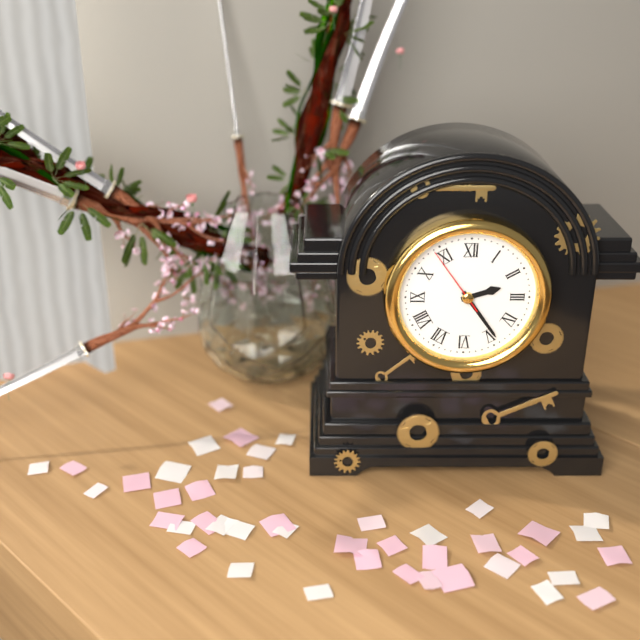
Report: 2.24.54
